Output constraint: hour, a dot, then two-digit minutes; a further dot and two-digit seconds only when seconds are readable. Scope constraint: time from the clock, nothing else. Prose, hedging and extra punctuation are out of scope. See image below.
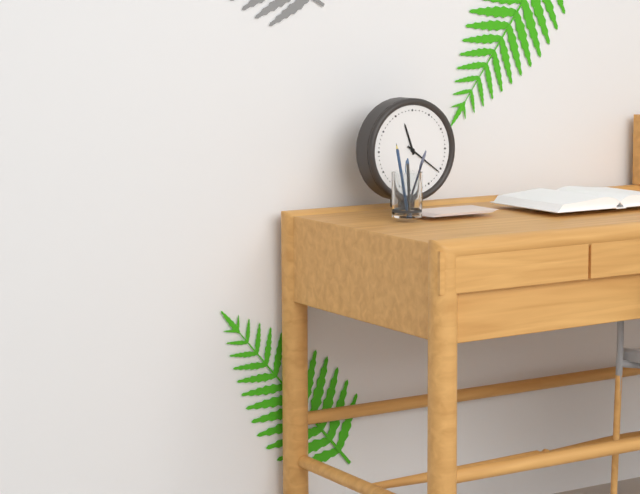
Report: 11.21
